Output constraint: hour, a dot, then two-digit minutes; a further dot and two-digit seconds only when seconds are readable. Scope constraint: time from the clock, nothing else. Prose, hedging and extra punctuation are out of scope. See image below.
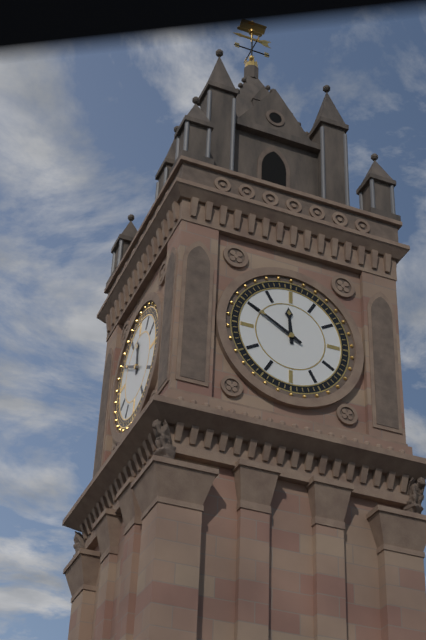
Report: 11.50
